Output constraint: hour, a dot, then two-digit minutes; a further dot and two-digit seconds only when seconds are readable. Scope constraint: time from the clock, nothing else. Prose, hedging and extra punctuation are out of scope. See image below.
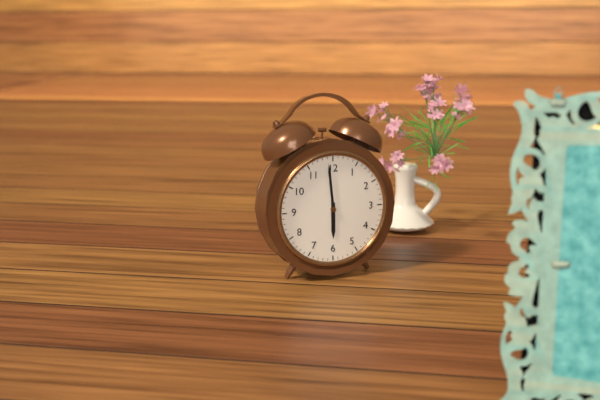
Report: 5.59
